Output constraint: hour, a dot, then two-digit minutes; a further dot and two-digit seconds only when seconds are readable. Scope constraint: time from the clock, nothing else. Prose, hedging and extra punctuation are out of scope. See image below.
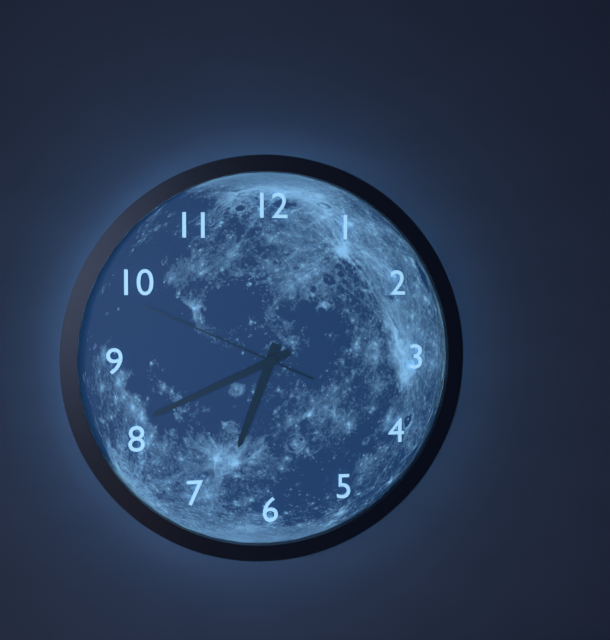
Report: 6.41.49
